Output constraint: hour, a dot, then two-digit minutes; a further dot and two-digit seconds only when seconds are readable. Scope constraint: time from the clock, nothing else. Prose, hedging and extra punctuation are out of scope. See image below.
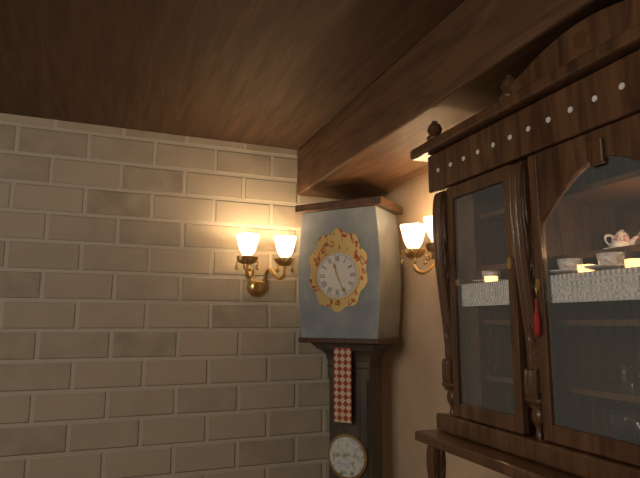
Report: 11.26
